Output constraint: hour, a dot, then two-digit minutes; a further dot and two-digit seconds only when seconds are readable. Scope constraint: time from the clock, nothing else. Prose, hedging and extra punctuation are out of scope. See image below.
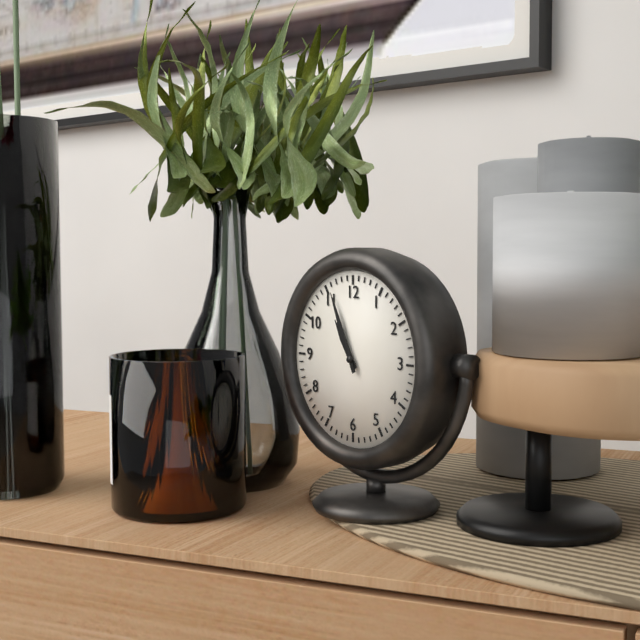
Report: 10.56
